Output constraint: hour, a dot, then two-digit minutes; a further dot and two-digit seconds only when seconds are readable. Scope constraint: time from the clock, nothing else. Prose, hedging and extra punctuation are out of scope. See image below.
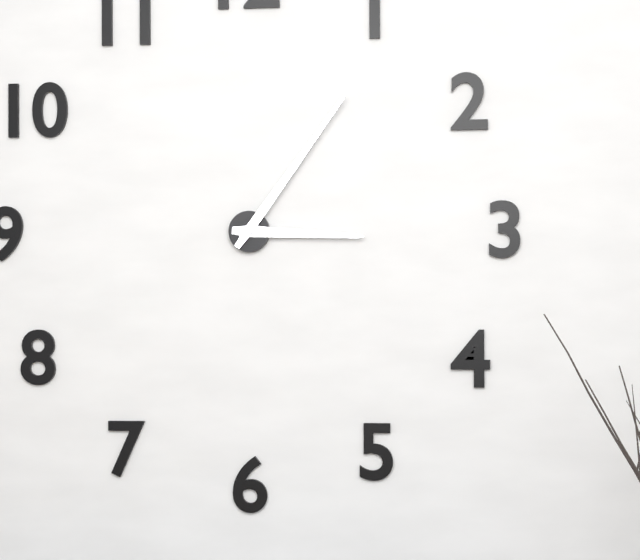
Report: 3.06
